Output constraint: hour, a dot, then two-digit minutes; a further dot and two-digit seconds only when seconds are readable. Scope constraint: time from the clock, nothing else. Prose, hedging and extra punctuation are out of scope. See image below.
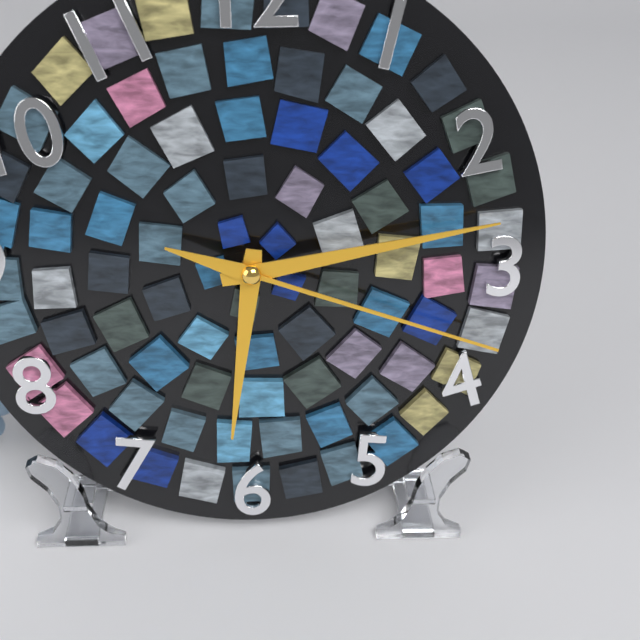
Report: 6.13.18
